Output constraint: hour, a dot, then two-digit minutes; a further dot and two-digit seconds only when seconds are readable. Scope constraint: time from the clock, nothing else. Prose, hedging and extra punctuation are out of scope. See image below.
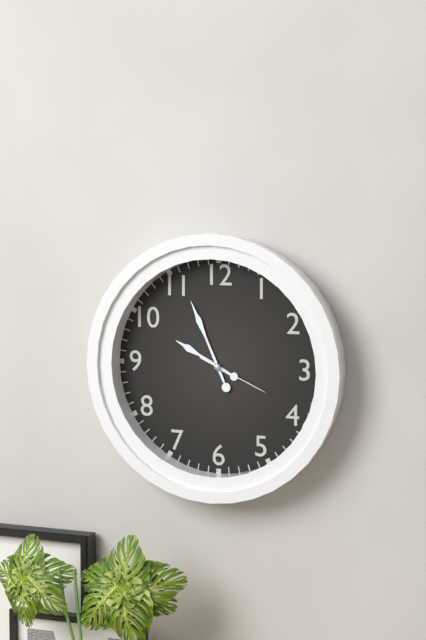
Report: 9.56.19
